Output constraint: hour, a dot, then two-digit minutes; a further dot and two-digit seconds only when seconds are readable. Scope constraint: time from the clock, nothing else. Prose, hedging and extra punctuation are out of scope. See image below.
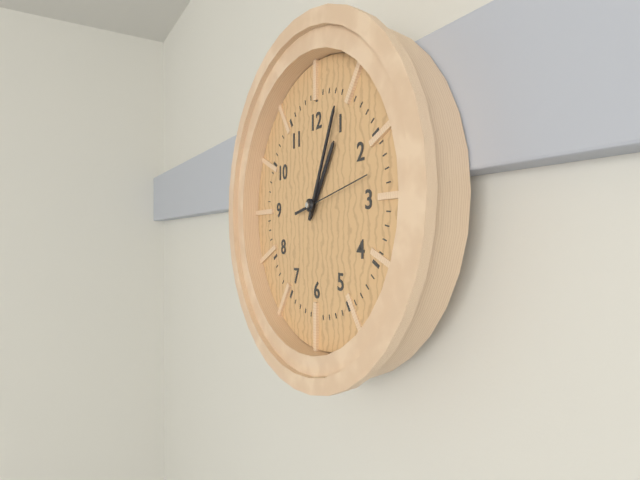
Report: 1.04.13
